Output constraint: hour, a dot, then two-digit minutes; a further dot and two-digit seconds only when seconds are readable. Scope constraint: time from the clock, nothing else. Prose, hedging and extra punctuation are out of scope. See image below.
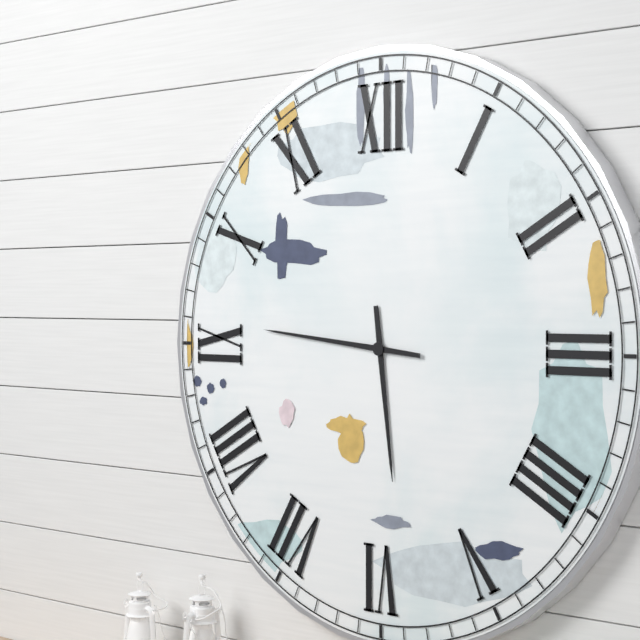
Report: 5.46
